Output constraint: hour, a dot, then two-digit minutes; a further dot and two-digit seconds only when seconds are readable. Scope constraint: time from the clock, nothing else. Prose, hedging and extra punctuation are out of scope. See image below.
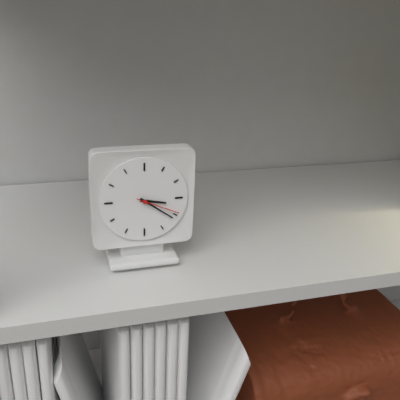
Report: 3.21
